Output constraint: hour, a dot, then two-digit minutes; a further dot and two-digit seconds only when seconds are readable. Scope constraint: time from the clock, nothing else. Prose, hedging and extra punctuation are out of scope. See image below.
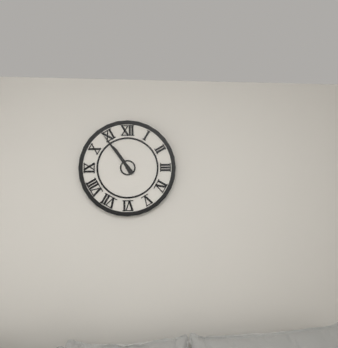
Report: 10.54
